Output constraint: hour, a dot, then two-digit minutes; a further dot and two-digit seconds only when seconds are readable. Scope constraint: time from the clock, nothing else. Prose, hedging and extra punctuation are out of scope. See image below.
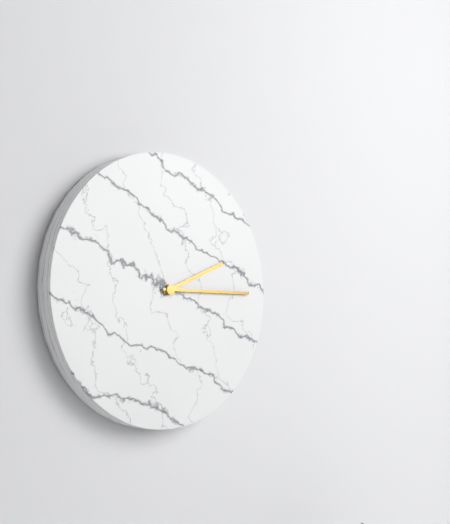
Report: 2.15
